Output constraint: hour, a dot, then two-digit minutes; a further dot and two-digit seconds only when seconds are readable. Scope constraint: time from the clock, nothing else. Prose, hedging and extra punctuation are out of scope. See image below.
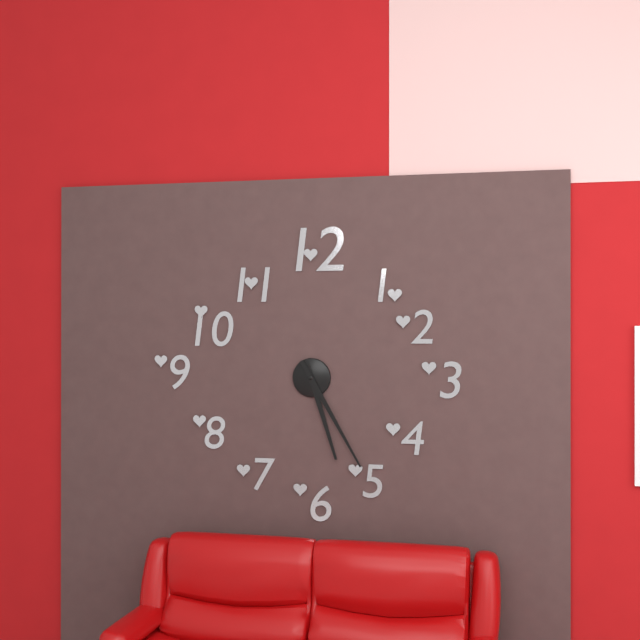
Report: 5.25
